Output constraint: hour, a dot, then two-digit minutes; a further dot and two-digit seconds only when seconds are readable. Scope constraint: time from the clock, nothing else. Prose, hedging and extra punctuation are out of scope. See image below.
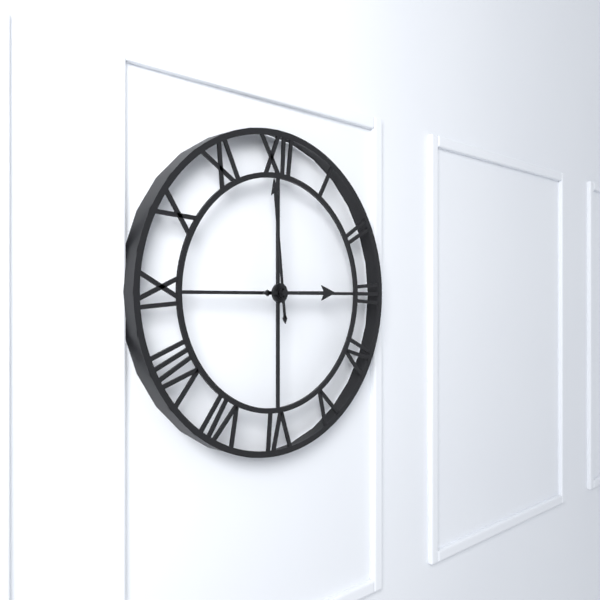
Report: 2.59
